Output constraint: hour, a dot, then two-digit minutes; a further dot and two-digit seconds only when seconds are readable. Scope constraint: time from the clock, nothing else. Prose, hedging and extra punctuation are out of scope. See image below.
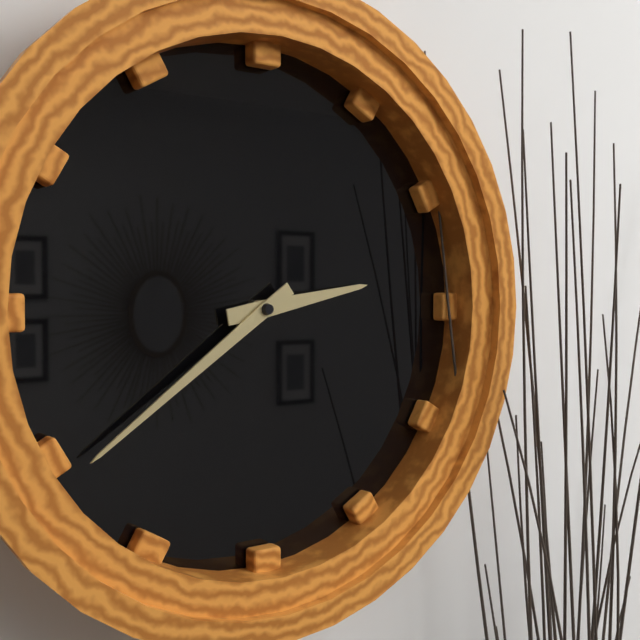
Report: 2.39
